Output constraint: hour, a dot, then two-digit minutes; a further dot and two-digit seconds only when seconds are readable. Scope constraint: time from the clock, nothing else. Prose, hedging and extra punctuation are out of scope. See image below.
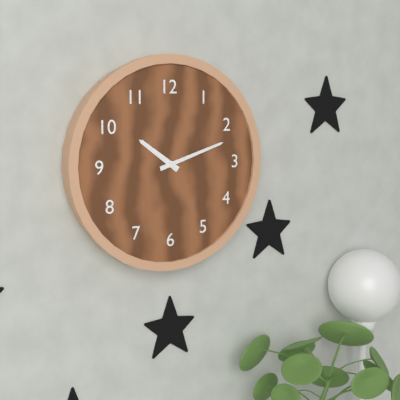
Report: 10.12
